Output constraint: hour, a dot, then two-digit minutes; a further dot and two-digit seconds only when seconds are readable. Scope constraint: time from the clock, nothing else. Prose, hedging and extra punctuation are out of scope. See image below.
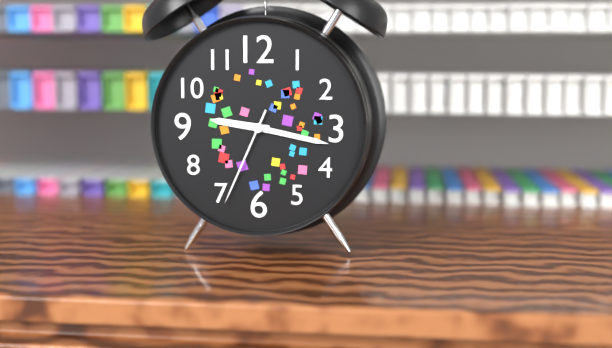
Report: 9.17.34
